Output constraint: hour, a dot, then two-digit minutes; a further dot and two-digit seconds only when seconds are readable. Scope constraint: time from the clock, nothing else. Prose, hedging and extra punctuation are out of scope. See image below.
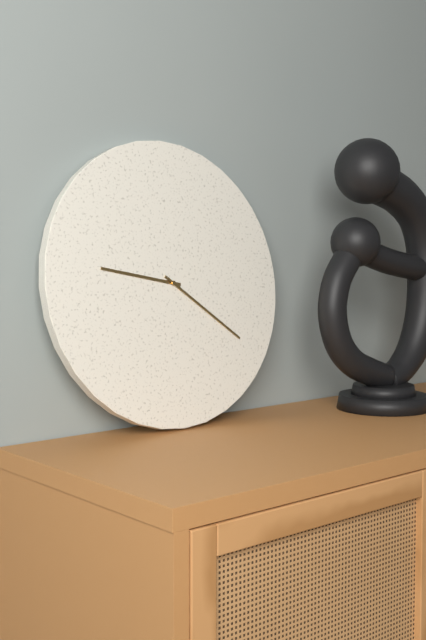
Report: 9.21
